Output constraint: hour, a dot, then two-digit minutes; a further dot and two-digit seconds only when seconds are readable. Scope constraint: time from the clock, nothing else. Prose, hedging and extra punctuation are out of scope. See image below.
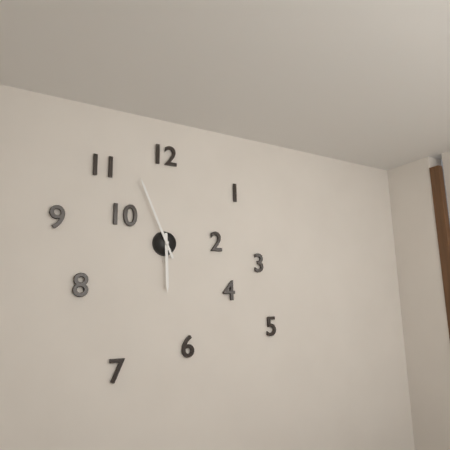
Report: 5.56
